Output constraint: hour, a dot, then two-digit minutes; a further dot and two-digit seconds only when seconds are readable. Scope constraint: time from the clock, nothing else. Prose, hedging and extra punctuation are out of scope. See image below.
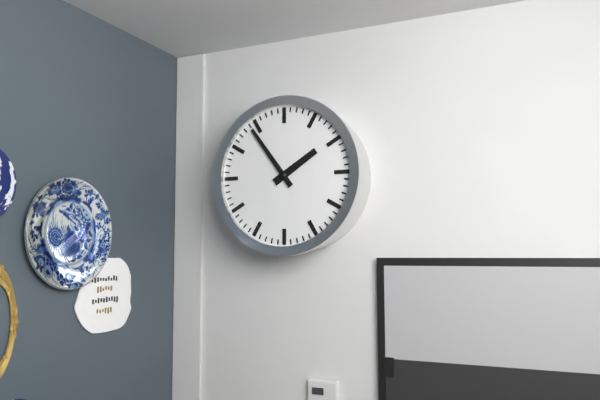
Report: 1.54
